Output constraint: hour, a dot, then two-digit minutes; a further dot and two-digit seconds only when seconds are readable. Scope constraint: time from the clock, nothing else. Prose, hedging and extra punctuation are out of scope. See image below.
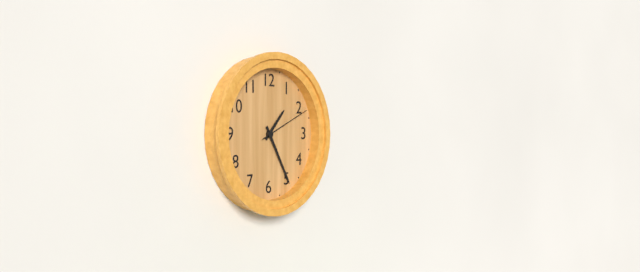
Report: 1.25.11
